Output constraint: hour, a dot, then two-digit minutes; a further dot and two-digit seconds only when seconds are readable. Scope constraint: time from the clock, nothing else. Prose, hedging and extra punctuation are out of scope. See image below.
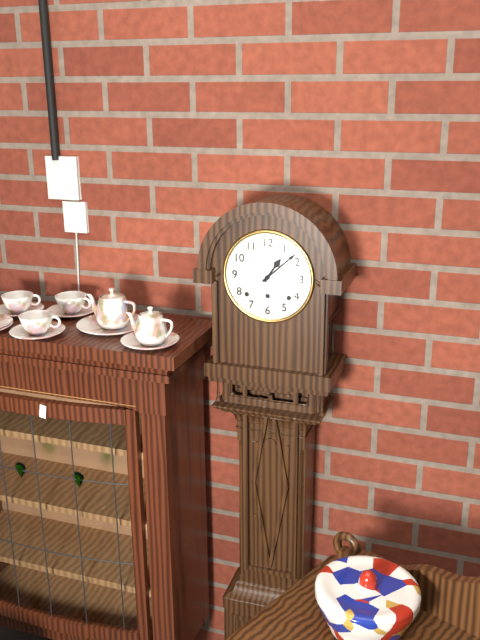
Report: 1.08
